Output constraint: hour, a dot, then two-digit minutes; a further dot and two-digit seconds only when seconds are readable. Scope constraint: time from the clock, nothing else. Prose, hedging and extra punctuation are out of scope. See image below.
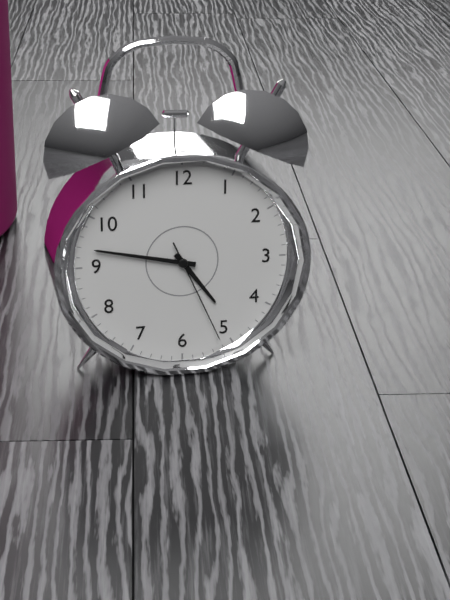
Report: 4.47.26
